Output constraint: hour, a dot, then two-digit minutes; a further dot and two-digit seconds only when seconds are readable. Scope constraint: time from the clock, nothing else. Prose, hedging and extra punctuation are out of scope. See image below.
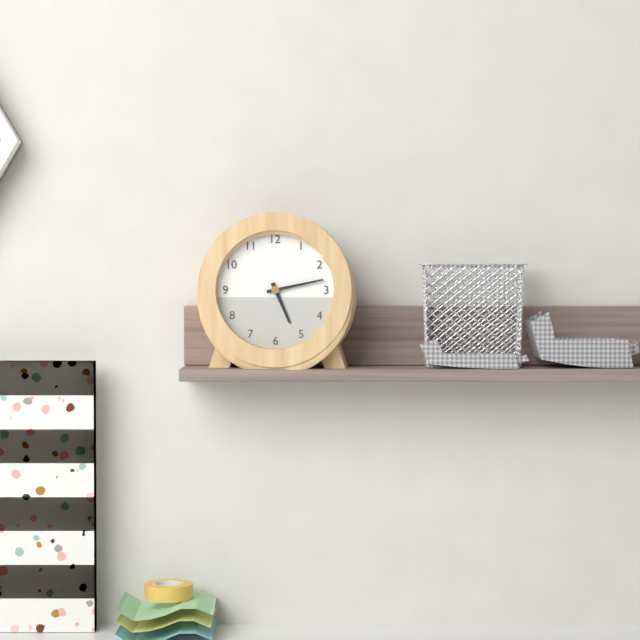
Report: 5.13
